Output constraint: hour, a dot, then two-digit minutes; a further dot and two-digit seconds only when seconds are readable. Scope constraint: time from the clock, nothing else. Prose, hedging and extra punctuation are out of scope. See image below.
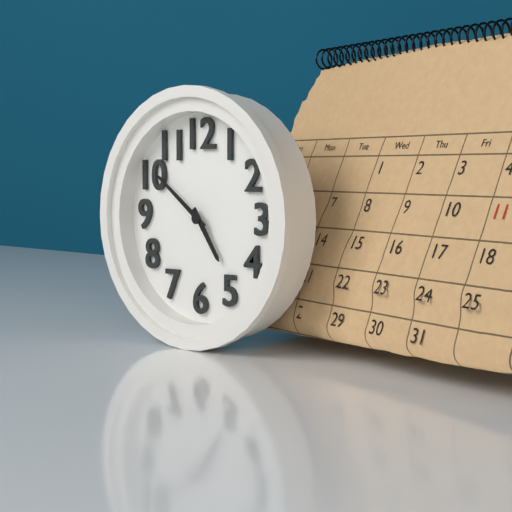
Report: 4.51
